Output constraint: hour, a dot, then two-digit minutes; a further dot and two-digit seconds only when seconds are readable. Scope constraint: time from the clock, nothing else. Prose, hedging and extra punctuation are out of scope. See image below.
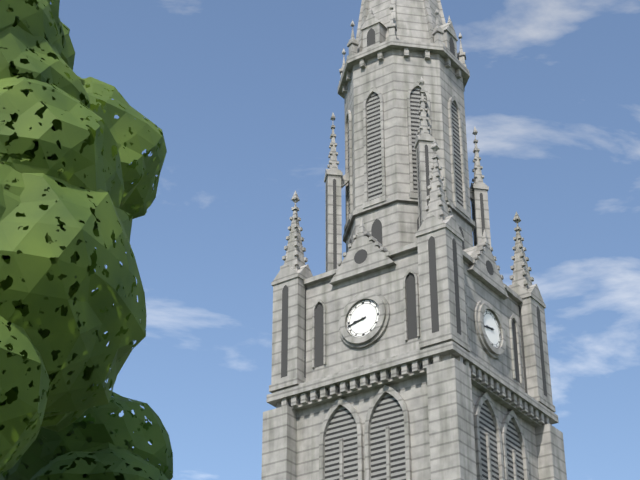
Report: 8.43
